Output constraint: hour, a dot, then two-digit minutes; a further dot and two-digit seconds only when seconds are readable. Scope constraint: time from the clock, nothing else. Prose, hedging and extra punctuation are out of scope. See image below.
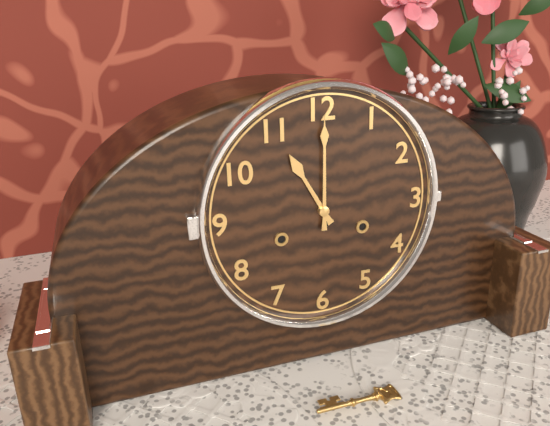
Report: 11.00
